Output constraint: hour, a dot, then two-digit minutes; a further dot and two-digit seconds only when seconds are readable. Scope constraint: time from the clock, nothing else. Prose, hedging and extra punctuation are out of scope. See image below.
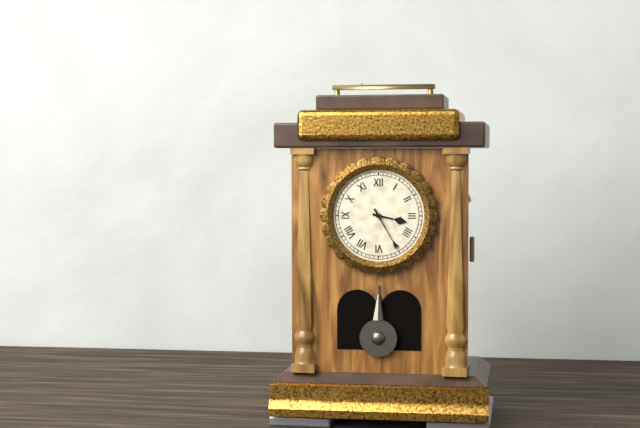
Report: 3.25
